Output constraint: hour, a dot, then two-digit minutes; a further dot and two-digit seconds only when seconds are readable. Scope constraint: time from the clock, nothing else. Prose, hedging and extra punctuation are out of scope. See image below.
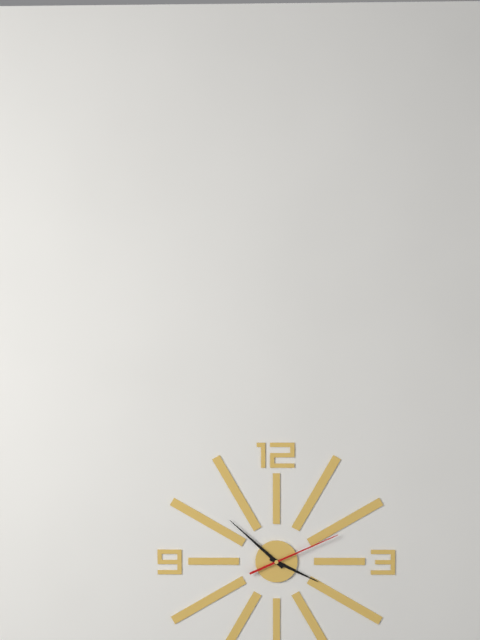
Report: 3.52.11
